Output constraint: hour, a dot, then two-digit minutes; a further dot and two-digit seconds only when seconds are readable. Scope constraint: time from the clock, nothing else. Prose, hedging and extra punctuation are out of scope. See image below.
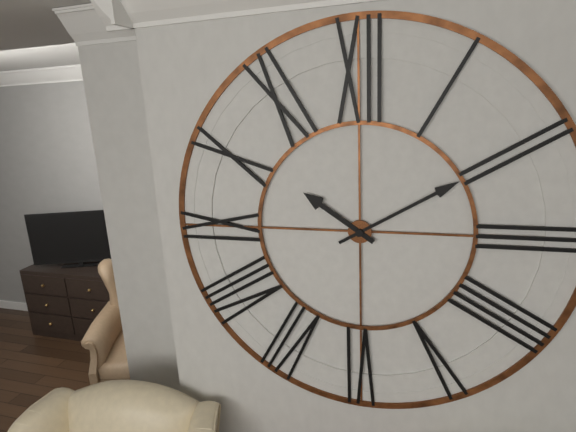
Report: 10.10
